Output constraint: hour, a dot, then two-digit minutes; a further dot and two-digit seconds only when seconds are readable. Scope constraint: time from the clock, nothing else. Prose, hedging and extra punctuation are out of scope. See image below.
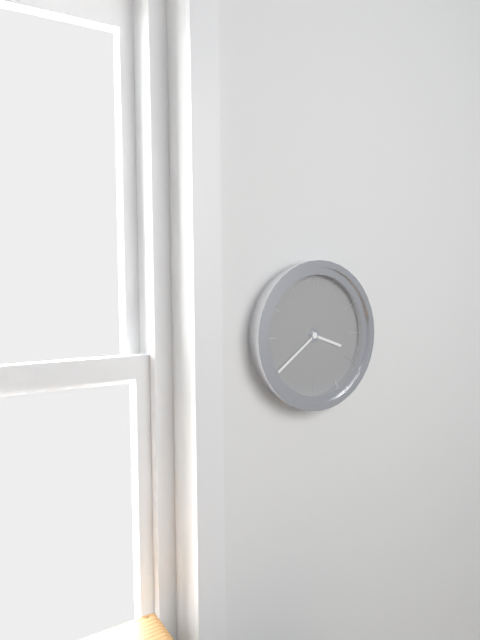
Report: 3.39
